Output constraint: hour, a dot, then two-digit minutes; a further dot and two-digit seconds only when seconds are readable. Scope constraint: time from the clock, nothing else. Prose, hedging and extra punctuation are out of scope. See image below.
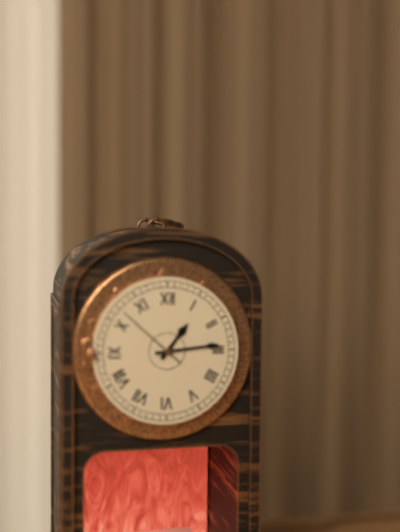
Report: 1.14
